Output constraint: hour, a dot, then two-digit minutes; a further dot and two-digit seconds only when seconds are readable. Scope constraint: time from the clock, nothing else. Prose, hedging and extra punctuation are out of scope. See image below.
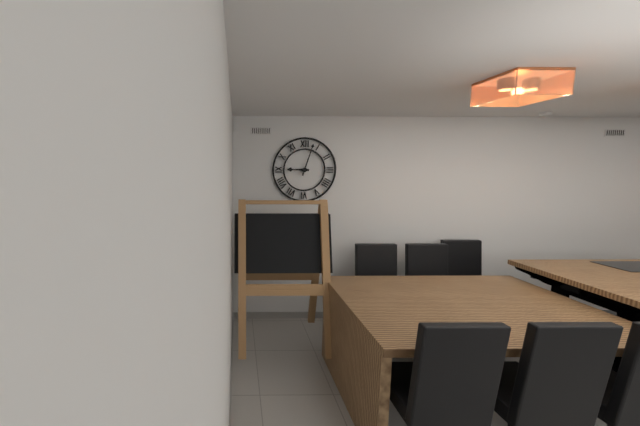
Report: 9.03
